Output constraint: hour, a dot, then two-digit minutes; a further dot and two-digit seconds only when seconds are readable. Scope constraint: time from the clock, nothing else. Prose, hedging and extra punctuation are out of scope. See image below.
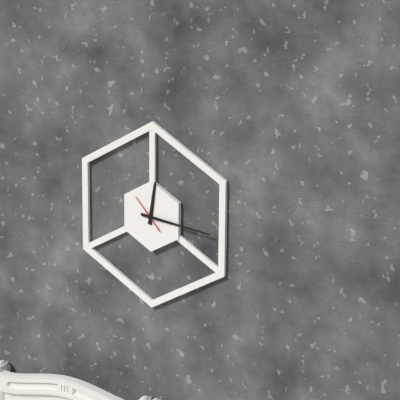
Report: 12.16
